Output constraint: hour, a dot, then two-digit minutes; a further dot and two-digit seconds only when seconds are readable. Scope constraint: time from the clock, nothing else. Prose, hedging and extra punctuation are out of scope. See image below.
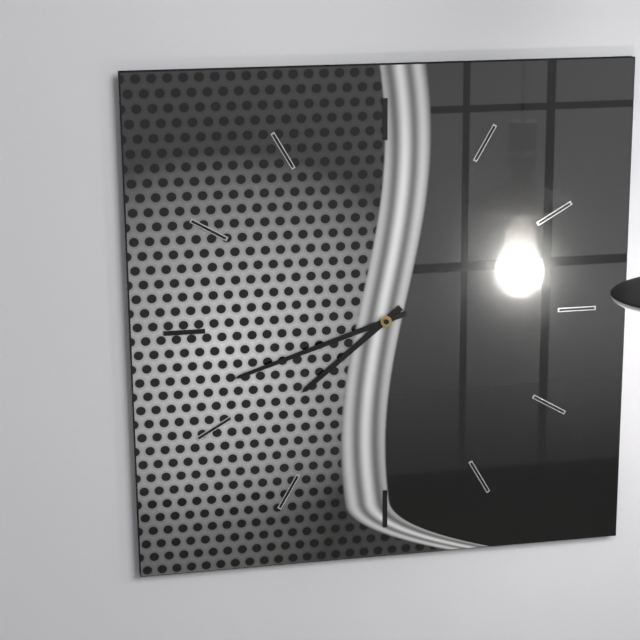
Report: 7.42
